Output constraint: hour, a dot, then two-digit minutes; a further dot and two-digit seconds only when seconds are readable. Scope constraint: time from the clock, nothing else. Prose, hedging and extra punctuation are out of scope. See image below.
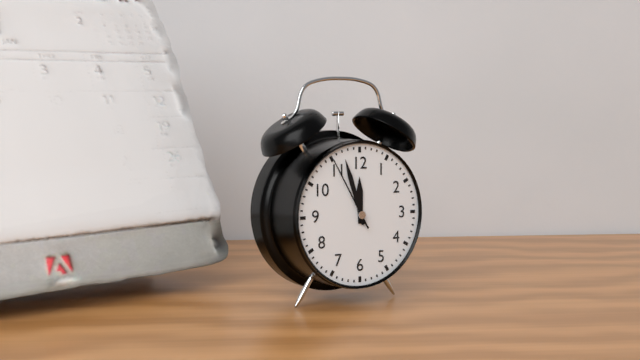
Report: 11.57.55
